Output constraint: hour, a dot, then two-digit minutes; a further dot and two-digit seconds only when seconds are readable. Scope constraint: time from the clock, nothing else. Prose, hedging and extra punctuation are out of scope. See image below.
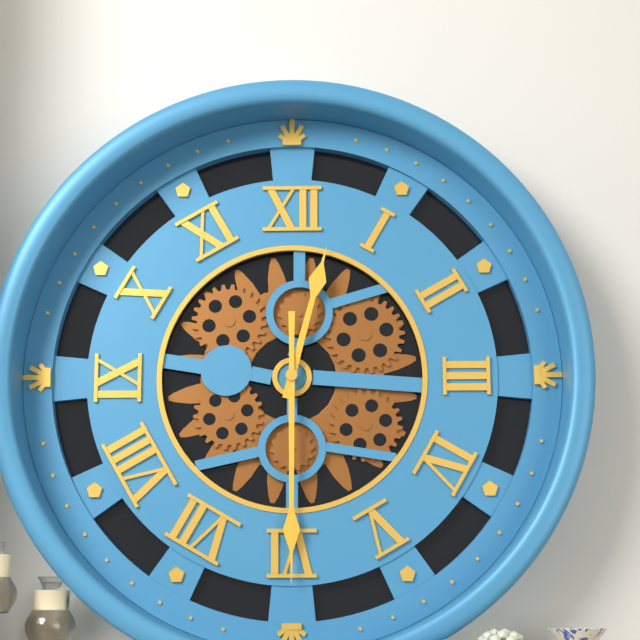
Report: 12.30
